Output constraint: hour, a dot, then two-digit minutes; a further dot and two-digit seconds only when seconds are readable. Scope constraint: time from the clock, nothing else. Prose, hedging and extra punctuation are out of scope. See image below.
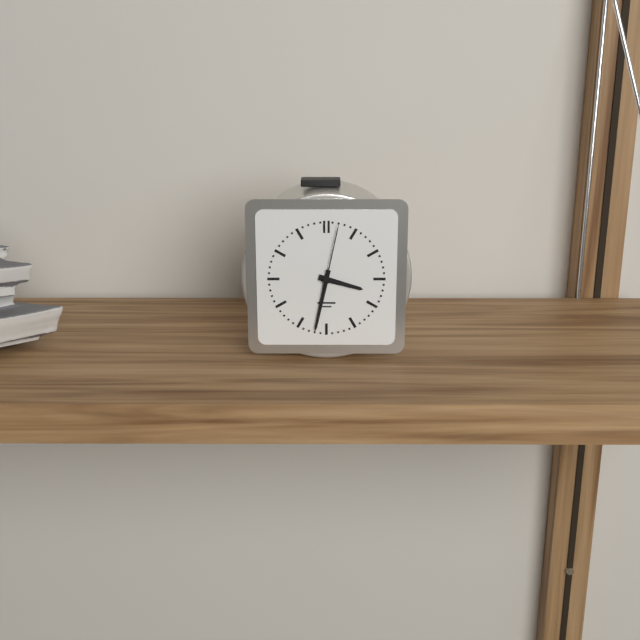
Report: 3.32.02
